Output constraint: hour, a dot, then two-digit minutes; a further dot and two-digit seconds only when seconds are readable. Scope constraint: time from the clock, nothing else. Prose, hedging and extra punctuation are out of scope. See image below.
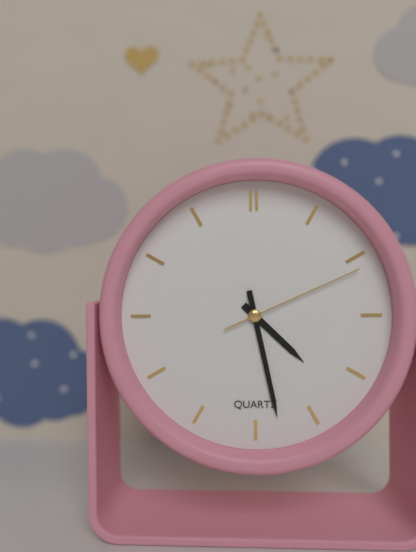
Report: 4.28.11
